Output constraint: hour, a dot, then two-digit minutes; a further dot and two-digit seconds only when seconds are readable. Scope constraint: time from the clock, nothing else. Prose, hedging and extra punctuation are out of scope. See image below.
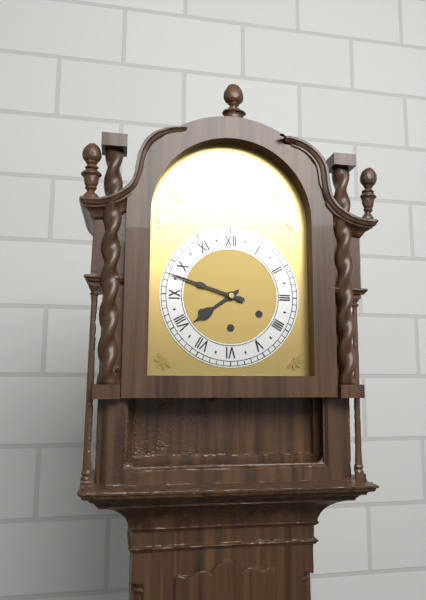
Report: 7.48
